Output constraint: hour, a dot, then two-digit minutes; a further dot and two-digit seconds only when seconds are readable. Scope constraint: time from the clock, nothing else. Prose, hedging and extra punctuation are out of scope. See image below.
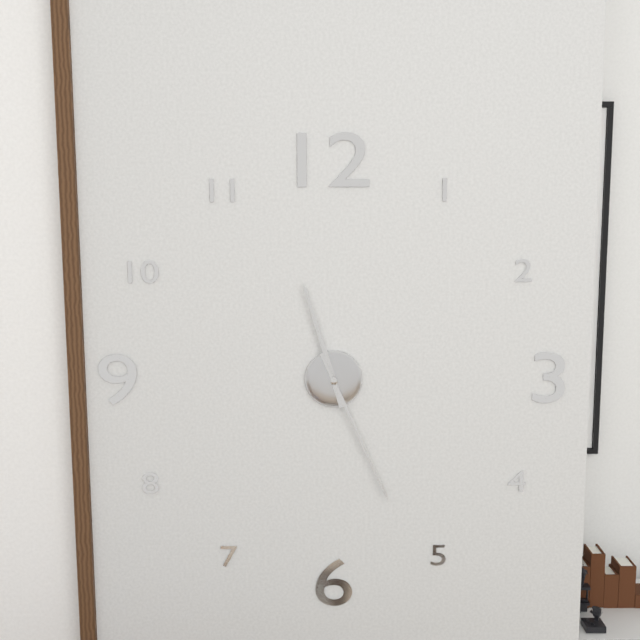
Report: 11.26
